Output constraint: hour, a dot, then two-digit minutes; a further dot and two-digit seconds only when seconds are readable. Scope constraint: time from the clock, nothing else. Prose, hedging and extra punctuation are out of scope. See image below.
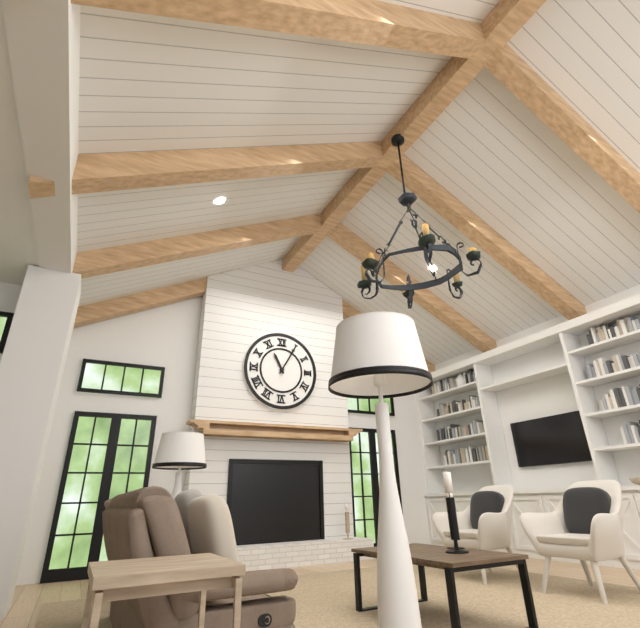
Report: 11.05
